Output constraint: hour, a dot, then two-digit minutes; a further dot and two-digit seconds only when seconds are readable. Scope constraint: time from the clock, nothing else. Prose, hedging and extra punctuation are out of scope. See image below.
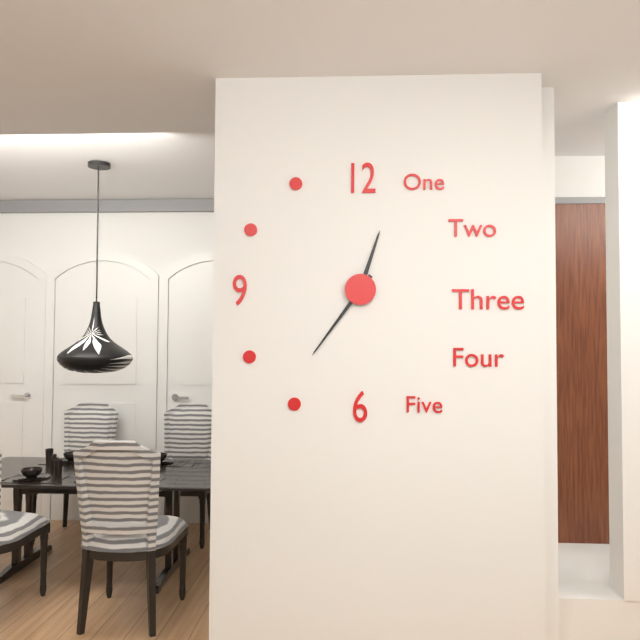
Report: 12.36
